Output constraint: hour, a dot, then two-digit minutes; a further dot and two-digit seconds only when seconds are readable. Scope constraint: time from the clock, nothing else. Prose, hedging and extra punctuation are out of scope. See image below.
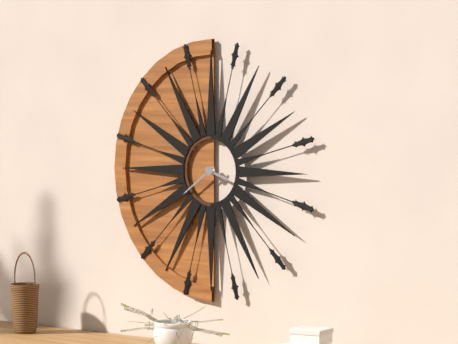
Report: 3.39
